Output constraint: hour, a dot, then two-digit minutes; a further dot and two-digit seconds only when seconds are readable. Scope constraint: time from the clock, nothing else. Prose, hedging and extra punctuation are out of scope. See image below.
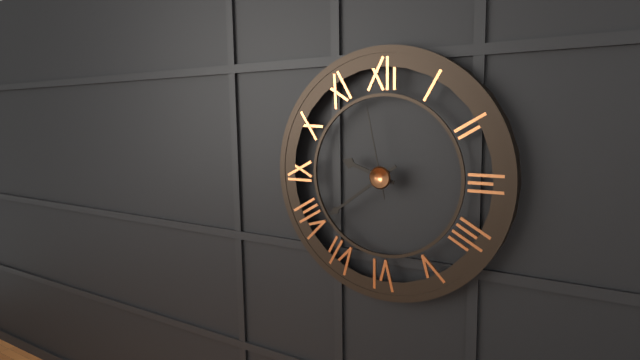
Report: 9.39.58
